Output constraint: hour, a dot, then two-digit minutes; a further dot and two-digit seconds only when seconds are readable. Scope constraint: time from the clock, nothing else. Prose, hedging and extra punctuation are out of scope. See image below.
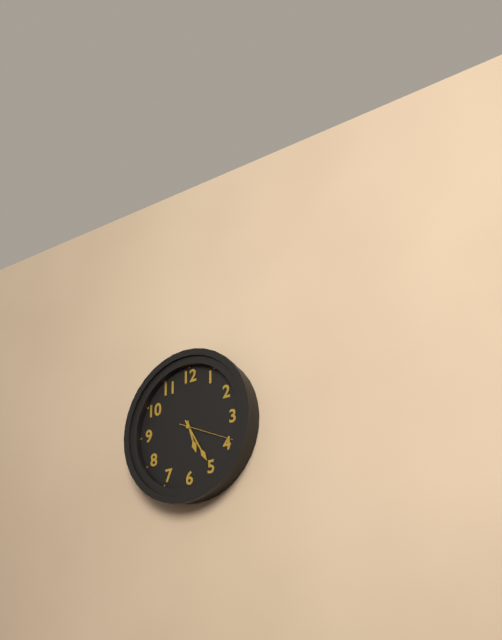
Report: 5.25.19
